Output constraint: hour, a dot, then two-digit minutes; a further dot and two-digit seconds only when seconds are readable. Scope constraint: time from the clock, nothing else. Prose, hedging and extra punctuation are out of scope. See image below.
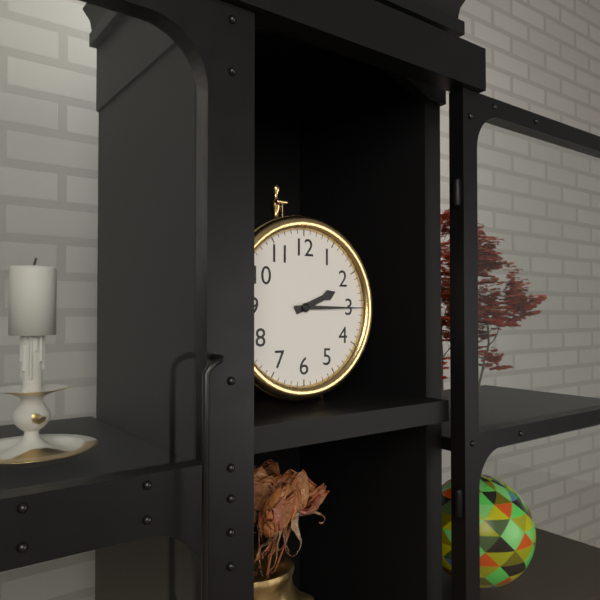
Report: 2.15
